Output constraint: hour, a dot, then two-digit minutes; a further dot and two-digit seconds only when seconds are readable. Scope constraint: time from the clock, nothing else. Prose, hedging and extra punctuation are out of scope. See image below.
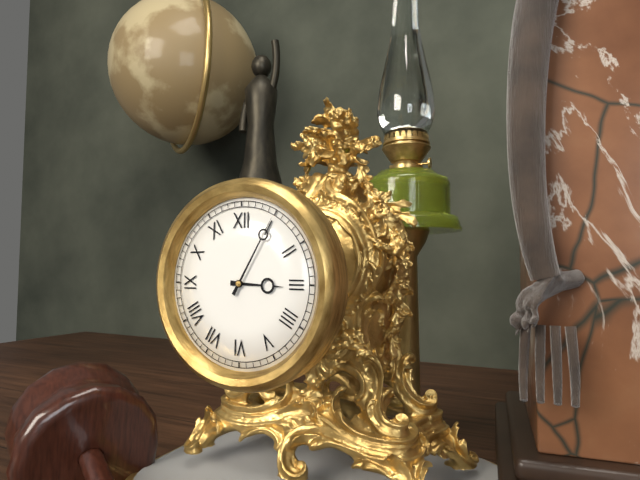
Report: 3.05
